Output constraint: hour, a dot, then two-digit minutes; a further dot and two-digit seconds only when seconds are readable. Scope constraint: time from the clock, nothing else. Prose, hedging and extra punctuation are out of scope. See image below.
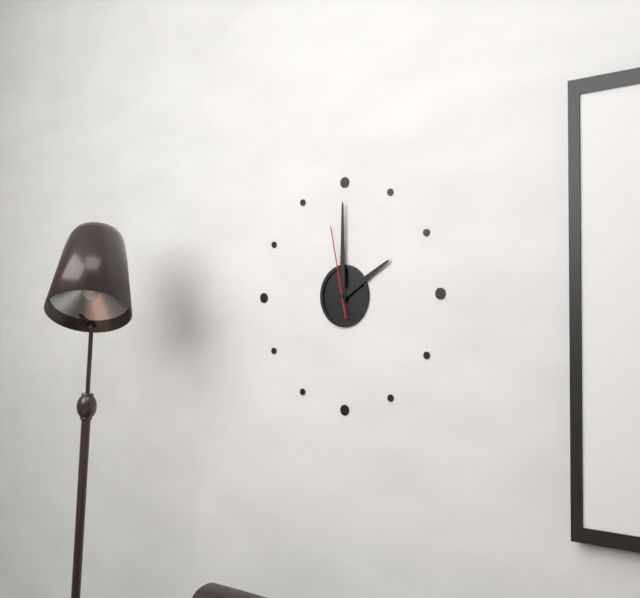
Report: 2.00.58
